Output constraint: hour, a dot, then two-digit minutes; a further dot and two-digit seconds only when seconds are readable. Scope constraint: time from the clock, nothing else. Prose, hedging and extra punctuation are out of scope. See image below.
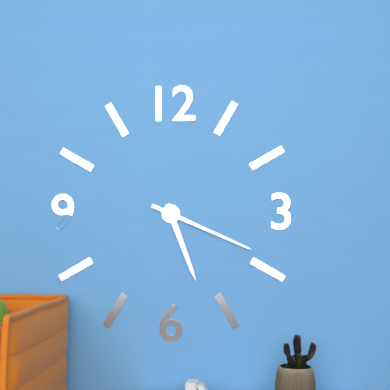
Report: 5.19
